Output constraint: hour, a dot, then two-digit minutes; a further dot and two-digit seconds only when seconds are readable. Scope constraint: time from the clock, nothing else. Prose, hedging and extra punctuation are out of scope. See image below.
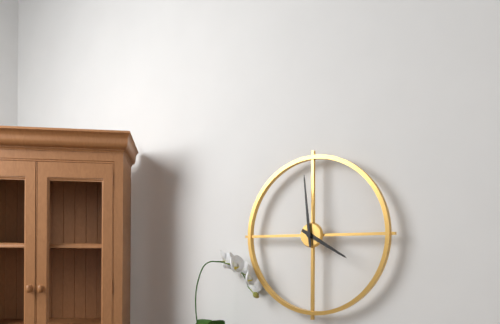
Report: 3.59
